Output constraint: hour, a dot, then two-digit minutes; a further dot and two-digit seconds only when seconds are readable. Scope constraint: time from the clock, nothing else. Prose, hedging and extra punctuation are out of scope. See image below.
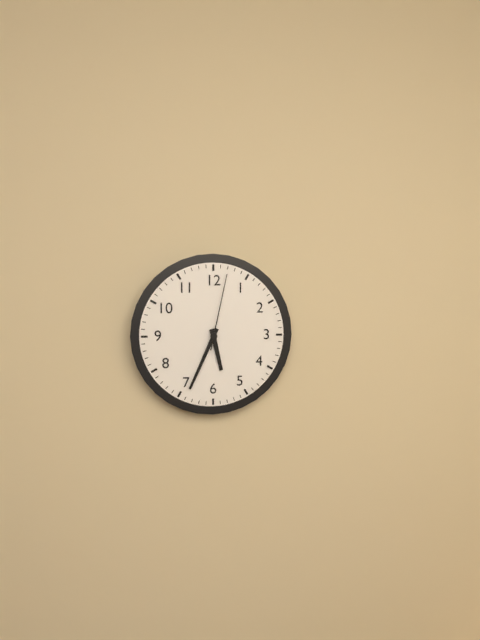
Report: 5.34.02
